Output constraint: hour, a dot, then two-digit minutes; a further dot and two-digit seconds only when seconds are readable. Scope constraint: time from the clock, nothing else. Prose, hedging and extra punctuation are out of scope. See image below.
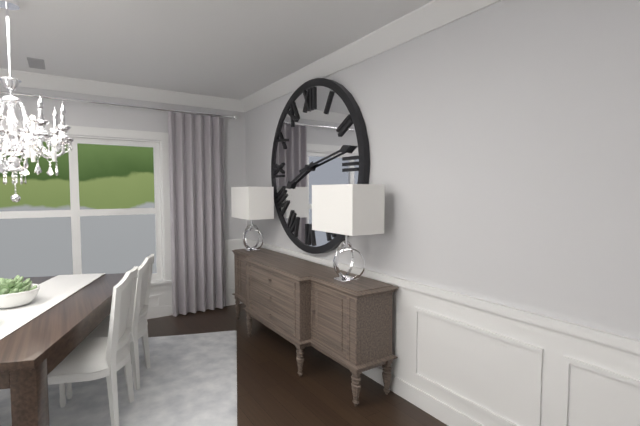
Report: 8.13
